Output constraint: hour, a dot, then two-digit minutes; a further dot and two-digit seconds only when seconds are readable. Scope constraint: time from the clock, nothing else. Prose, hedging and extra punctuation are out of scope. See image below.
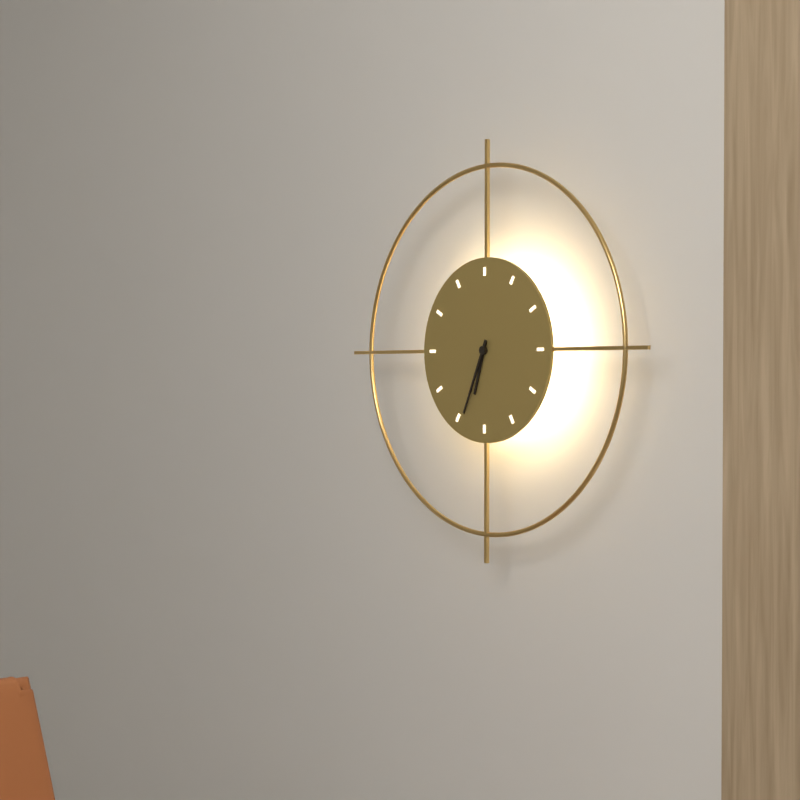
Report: 6.34
